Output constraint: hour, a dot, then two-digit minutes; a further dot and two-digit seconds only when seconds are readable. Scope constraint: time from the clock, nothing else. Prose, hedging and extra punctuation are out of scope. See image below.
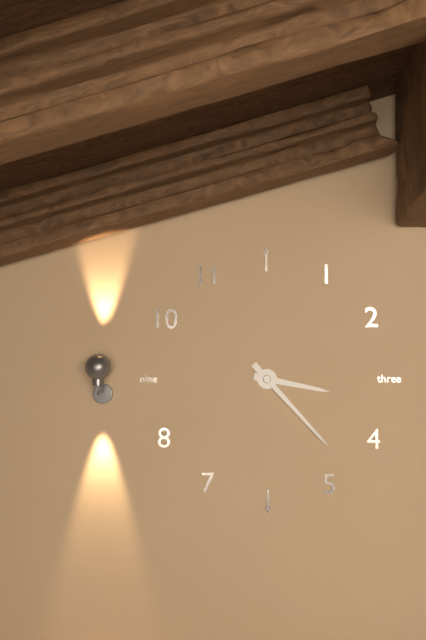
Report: 3.23
